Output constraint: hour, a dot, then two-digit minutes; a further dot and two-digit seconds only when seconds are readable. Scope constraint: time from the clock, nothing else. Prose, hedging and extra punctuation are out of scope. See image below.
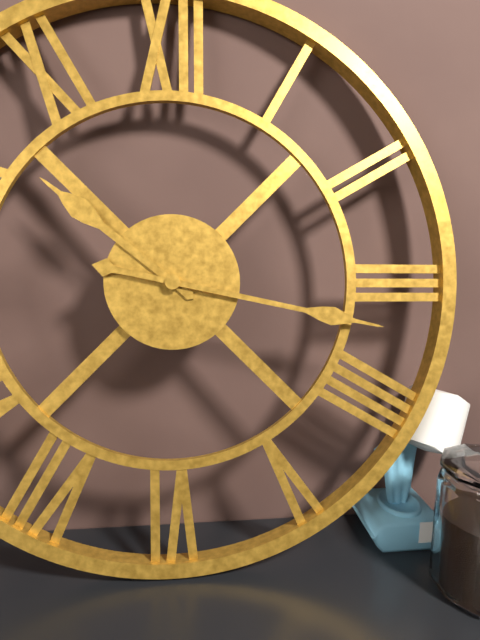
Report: 10.17
